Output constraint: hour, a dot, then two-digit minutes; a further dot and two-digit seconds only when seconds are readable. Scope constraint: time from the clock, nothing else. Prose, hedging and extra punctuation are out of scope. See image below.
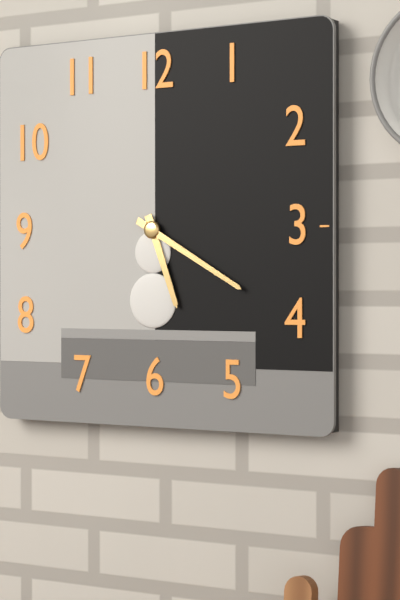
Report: 5.20
